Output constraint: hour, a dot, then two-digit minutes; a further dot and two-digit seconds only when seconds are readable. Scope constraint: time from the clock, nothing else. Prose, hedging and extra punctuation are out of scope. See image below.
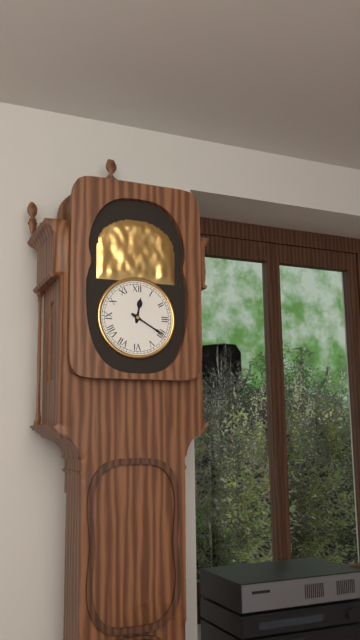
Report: 12.20
